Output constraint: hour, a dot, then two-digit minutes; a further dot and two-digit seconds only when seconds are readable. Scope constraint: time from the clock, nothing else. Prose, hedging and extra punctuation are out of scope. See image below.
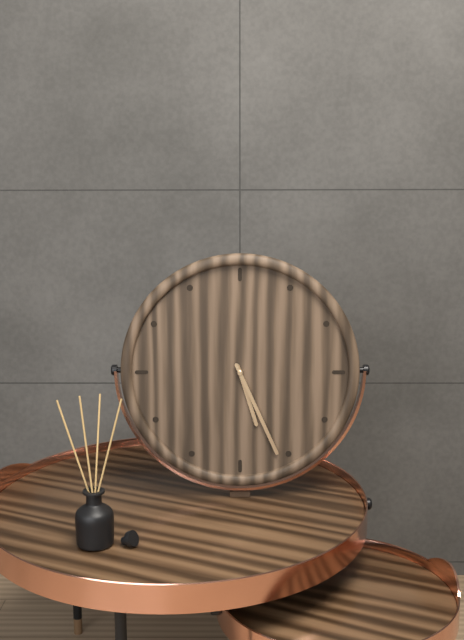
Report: 5.26
